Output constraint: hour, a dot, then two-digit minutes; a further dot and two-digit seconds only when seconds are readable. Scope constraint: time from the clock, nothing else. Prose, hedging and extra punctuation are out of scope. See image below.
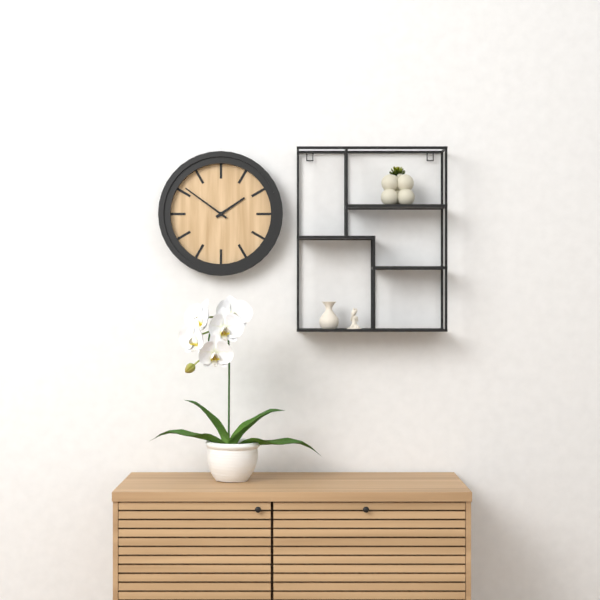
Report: 1.51
